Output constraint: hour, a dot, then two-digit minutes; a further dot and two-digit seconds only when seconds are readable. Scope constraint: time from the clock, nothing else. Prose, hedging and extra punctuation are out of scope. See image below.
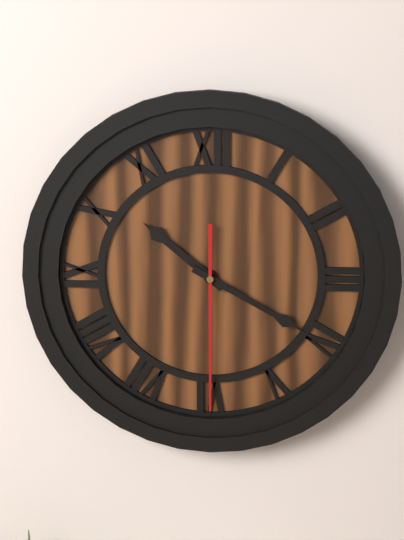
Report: 10.20.30
